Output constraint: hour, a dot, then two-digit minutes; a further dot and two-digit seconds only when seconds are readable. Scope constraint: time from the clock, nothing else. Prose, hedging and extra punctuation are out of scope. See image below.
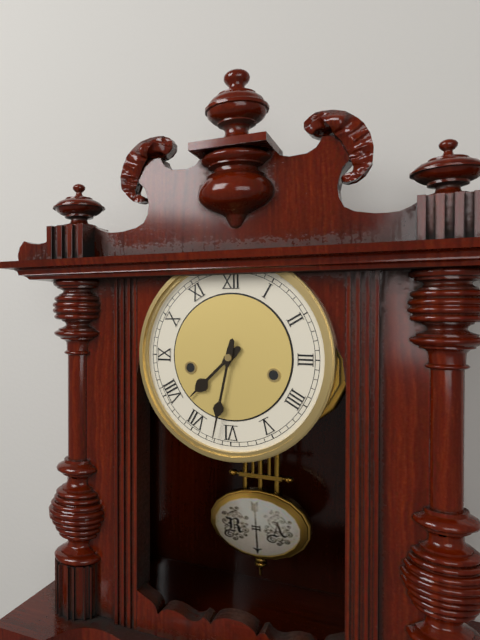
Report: 7.32
